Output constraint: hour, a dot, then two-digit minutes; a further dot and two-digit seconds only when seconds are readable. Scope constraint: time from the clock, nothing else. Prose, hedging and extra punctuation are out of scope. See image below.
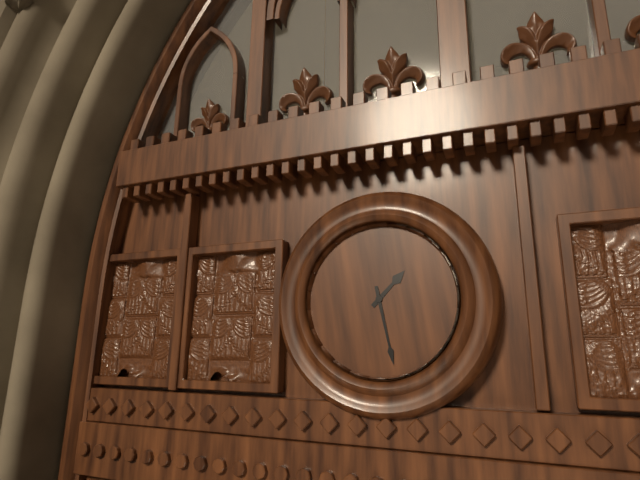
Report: 1.28
